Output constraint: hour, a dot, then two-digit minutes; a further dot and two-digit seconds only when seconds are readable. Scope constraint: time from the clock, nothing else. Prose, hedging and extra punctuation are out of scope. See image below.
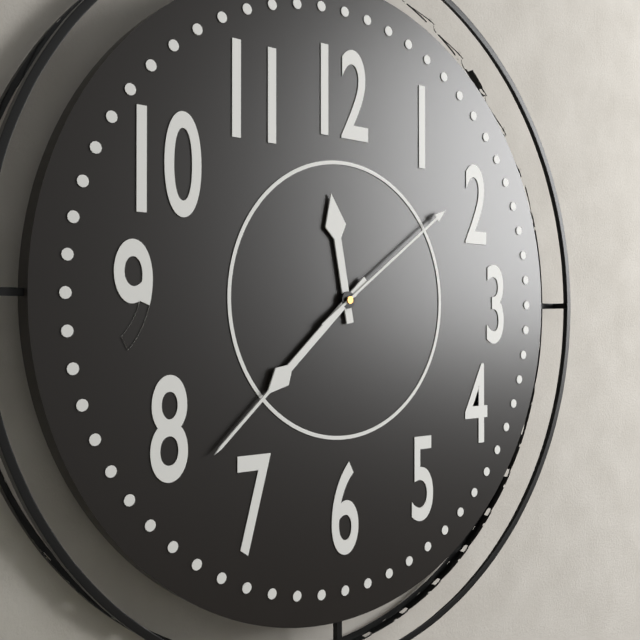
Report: 11.38.09
